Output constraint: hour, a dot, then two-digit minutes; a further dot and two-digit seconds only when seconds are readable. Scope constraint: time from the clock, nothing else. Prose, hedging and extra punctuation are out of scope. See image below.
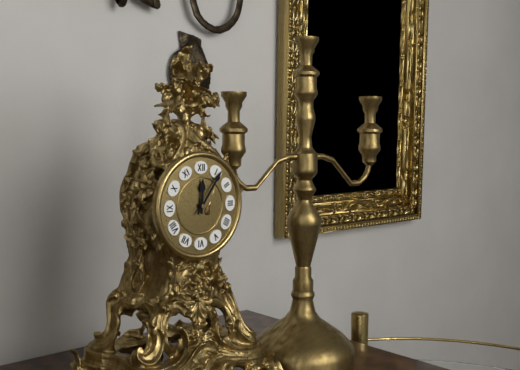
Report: 12.06
